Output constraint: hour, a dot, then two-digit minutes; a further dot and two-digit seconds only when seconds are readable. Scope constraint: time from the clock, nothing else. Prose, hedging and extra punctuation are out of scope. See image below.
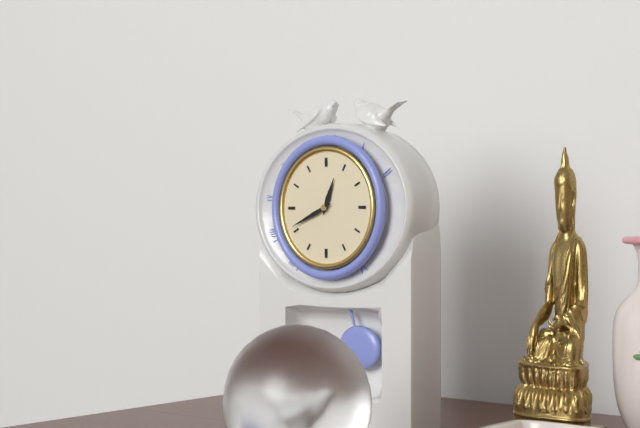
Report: 12.41
